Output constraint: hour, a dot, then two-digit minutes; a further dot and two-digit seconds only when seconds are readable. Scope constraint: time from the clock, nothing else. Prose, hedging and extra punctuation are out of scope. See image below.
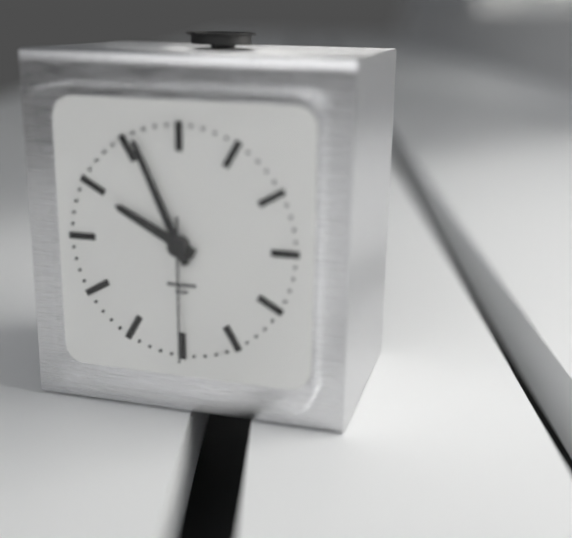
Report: 9.56.30
